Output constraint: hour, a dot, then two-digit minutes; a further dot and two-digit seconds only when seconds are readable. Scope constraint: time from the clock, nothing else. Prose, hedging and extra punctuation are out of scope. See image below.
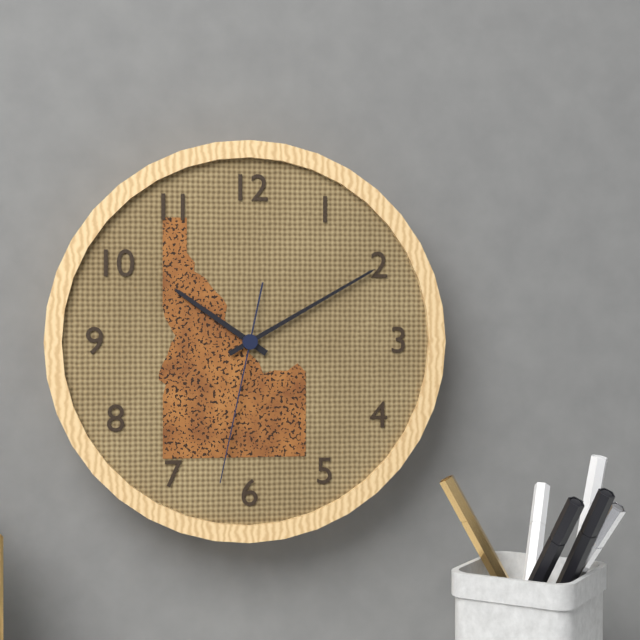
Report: 10.10.32
